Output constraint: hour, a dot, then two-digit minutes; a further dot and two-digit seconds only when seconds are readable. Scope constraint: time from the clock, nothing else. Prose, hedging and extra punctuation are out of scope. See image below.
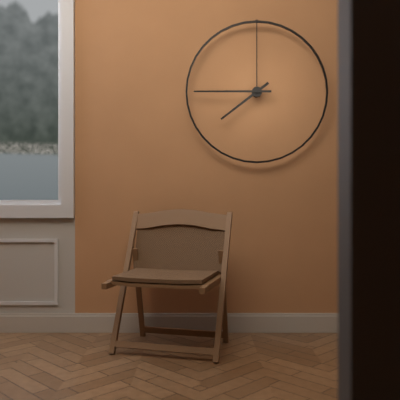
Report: 7.45
